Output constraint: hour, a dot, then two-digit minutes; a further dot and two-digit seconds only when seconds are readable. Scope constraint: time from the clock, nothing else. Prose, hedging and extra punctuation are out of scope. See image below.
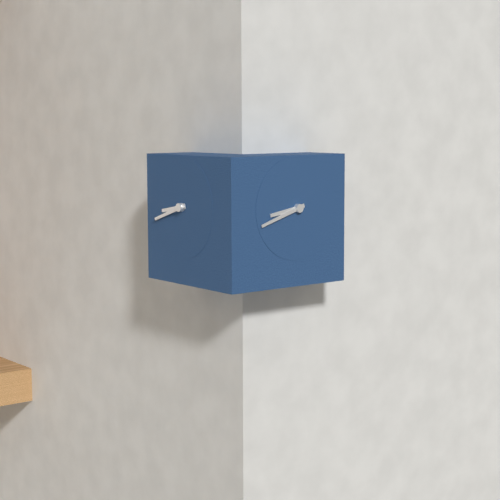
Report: 8.42
